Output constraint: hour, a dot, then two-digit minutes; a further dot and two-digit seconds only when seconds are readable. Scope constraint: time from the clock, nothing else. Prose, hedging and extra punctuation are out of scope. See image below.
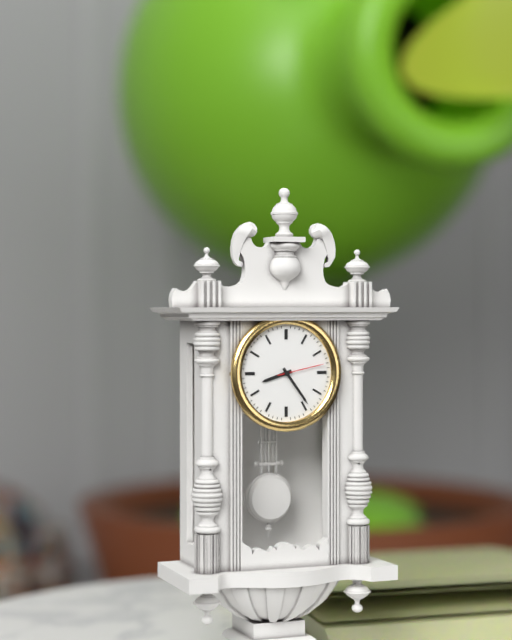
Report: 8.24.13
